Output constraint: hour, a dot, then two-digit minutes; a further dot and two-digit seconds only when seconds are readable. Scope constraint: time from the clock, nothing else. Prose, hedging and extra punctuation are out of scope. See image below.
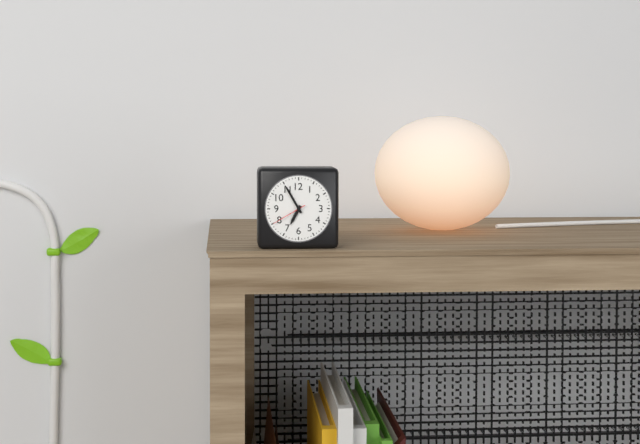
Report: 6.55
